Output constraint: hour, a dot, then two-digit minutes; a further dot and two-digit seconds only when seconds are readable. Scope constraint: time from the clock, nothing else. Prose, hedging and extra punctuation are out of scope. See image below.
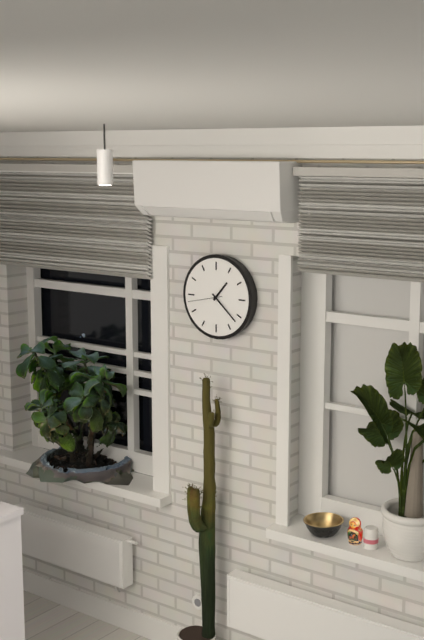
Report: 1.22
